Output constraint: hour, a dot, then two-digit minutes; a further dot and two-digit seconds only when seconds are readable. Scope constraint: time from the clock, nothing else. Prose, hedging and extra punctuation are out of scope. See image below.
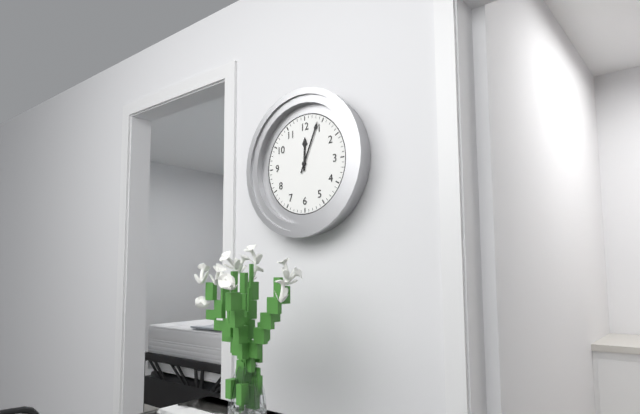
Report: 12.04
